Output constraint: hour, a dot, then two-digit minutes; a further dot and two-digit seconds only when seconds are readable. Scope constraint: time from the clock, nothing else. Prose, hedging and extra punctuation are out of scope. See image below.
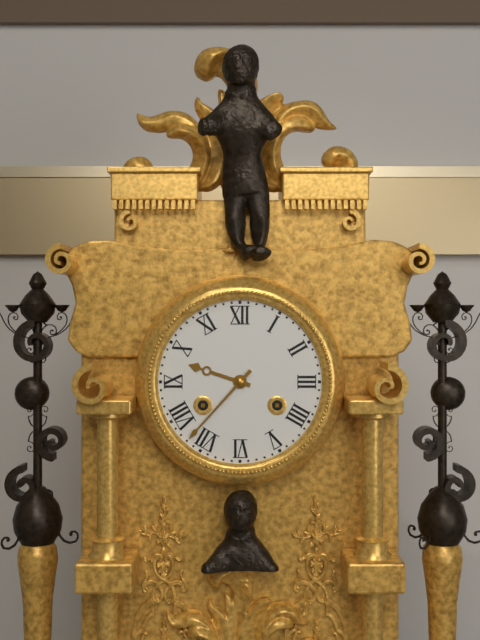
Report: 9.37
